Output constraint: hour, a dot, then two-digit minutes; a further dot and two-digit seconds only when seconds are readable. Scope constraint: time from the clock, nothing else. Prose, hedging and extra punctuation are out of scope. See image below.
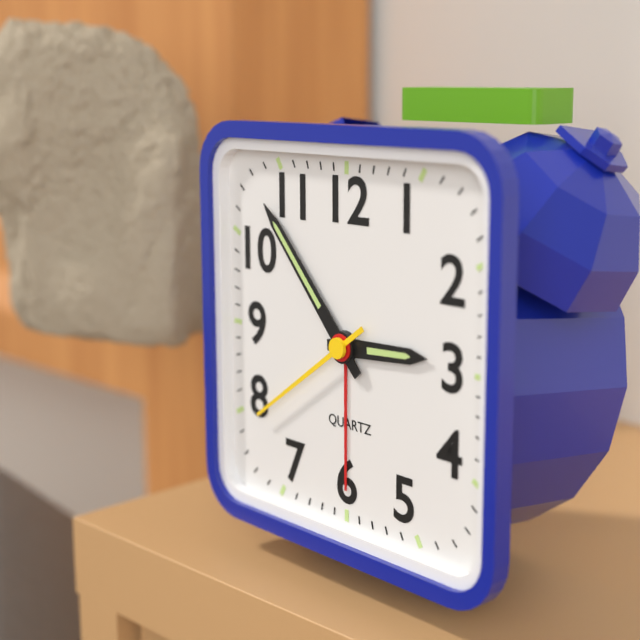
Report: 2.53.39
